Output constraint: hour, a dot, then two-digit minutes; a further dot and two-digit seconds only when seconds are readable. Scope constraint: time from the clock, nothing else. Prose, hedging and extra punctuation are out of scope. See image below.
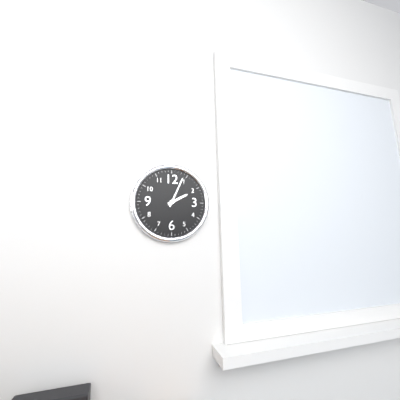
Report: 2.04
